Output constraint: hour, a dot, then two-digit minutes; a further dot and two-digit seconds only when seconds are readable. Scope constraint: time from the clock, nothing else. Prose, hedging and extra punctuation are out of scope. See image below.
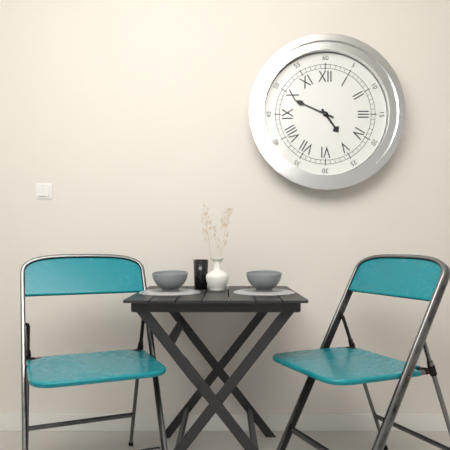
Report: 4.49
